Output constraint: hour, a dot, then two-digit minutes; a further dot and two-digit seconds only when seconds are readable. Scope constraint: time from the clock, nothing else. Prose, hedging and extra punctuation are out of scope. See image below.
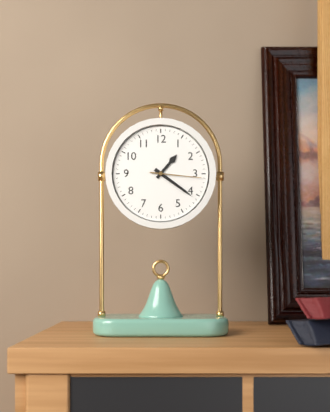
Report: 1.21.16
